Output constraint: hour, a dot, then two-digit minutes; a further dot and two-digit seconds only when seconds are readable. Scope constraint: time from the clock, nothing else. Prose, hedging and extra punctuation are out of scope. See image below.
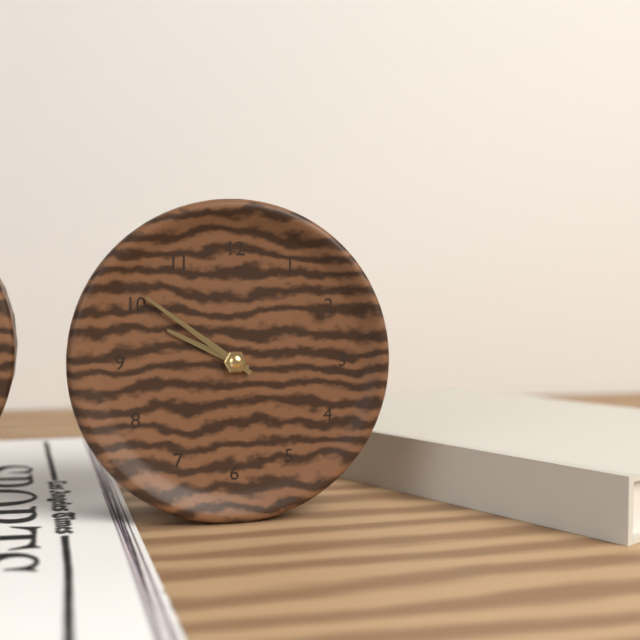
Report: 9.51
